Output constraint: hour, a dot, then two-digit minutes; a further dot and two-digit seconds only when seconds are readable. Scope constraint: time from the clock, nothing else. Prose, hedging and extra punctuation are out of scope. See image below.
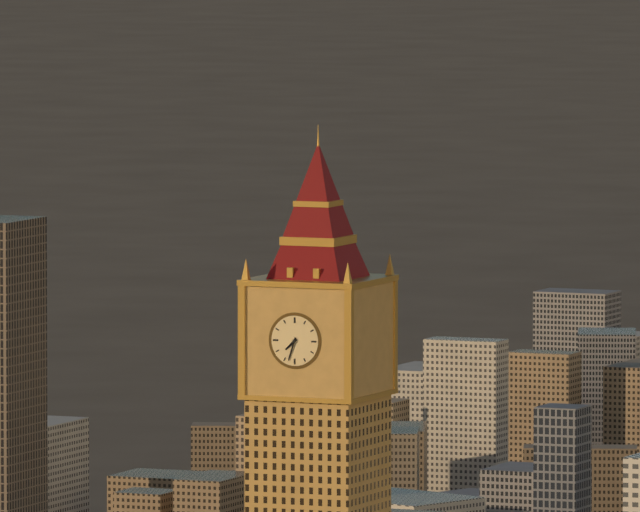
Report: 7.33
